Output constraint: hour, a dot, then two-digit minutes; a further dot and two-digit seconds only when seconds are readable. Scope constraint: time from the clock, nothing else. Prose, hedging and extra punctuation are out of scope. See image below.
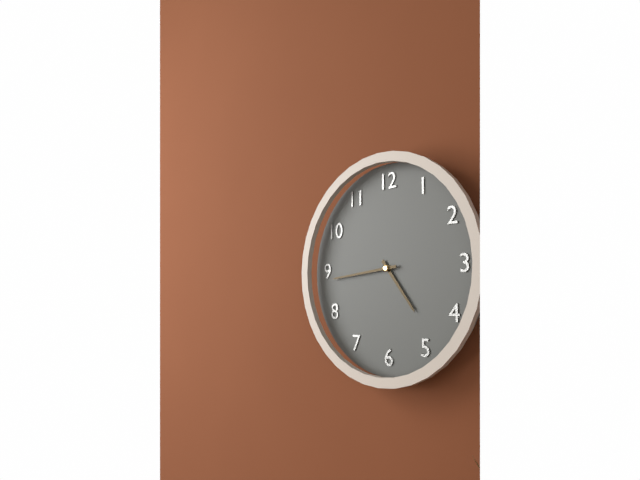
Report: 4.44
